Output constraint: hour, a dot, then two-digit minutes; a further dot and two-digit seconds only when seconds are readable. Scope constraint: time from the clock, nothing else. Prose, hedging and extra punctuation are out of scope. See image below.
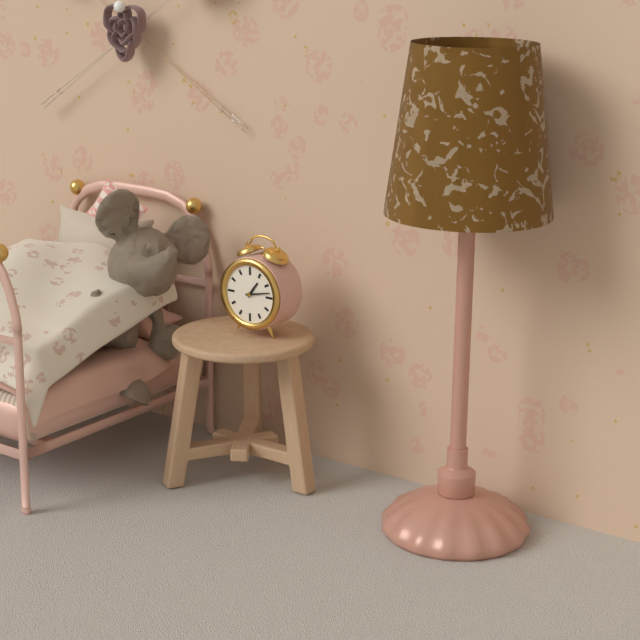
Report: 1.13
